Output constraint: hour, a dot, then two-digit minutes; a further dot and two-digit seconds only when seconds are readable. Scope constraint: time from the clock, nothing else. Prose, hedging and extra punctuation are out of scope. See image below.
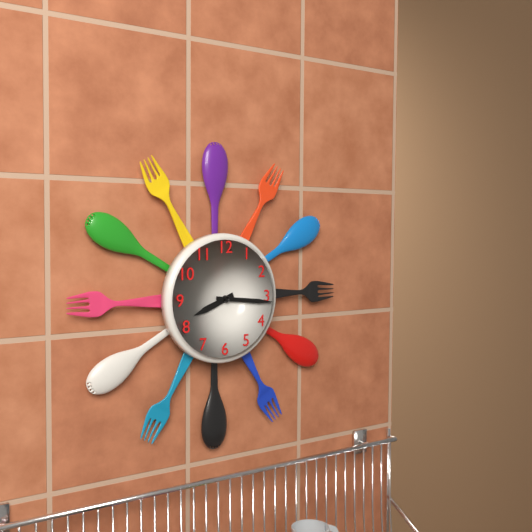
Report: 8.16
